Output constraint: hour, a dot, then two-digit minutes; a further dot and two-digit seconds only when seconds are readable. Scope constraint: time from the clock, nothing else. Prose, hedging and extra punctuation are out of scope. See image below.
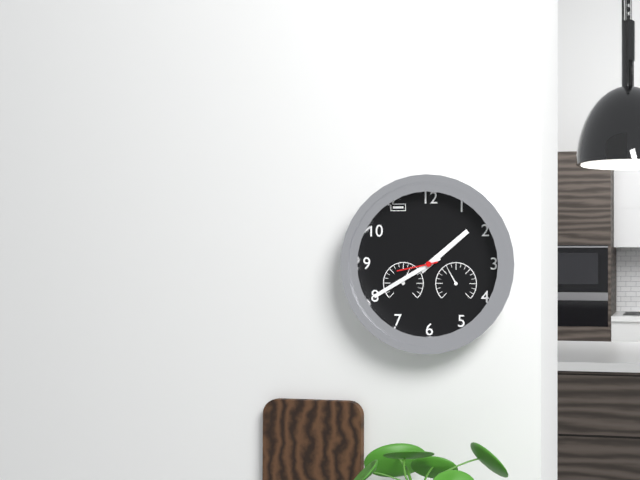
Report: 1.40
